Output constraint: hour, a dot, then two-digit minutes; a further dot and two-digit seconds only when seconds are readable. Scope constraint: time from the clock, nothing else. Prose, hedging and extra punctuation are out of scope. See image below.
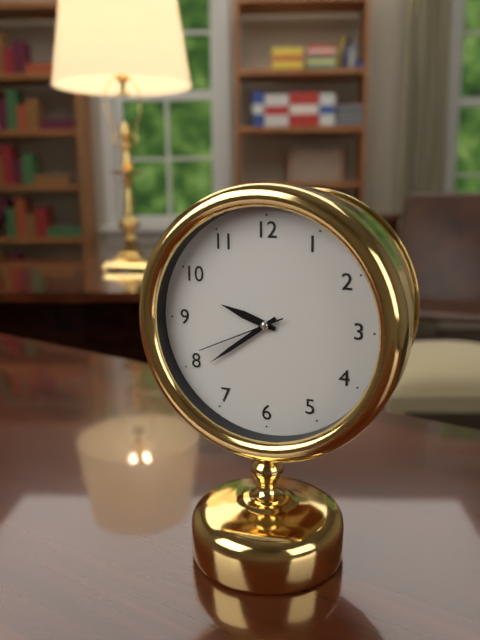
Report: 9.39.41
